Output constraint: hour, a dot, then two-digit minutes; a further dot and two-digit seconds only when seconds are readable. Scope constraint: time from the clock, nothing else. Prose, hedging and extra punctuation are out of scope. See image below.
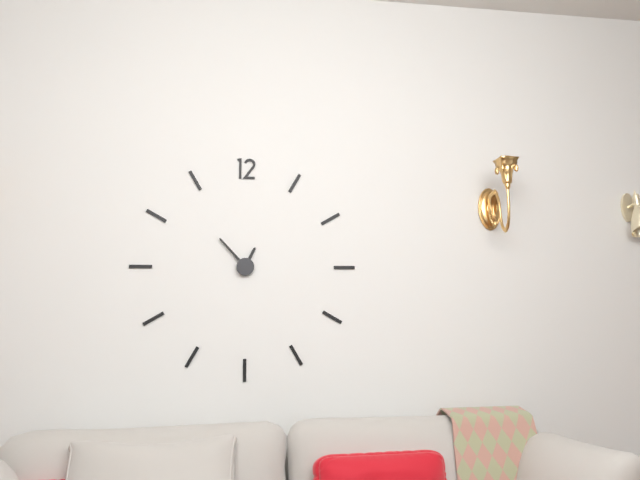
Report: 12.53
